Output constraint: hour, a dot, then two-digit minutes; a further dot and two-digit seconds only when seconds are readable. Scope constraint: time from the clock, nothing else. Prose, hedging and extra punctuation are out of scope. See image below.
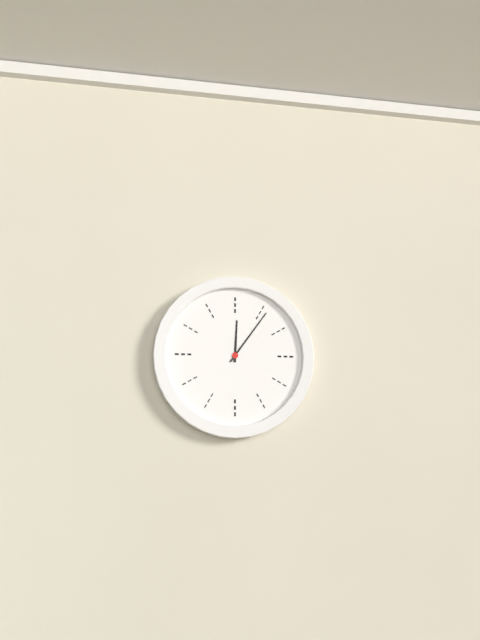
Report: 12.06
